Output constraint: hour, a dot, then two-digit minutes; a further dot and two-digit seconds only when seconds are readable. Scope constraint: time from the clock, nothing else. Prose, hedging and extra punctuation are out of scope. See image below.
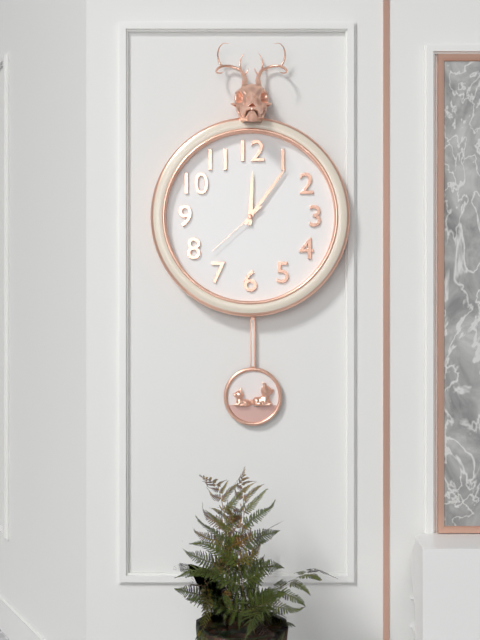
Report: 12.06.38
